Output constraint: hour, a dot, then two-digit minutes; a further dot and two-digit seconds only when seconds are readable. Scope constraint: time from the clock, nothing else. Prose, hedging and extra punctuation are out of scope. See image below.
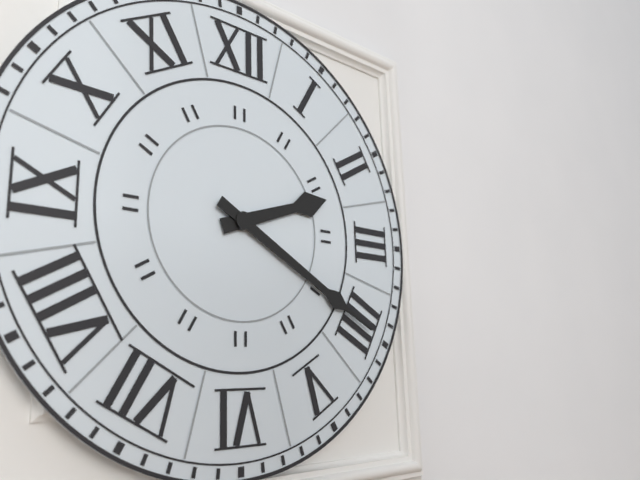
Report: 2.20
